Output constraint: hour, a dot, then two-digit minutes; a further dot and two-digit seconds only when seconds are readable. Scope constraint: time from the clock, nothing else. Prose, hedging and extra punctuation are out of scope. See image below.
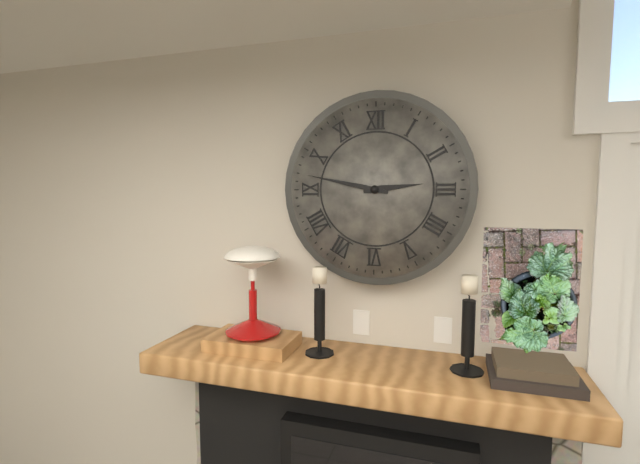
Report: 2.47
